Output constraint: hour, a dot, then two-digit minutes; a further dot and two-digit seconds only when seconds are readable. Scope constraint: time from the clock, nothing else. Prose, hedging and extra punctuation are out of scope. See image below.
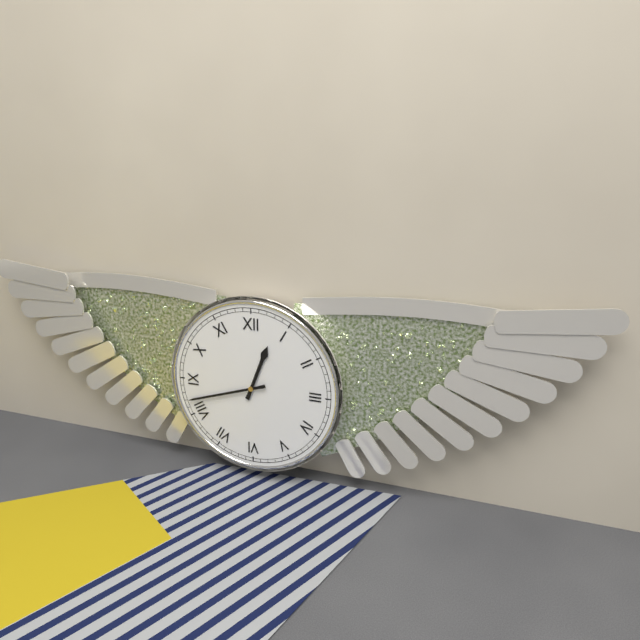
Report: 12.42
